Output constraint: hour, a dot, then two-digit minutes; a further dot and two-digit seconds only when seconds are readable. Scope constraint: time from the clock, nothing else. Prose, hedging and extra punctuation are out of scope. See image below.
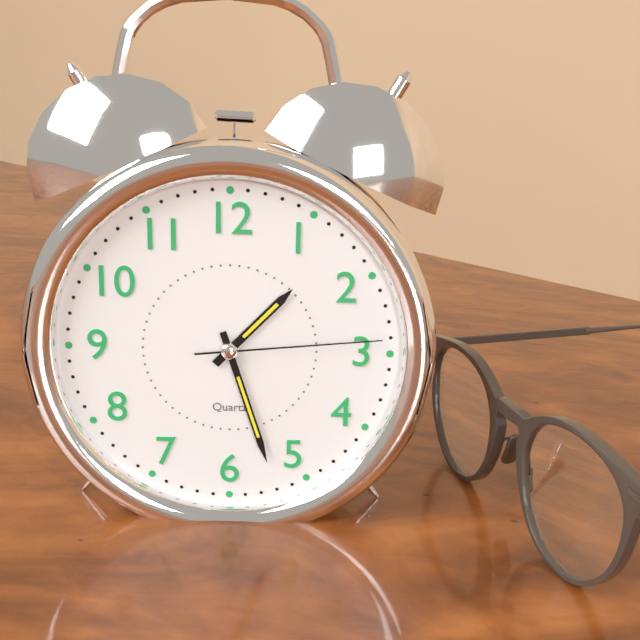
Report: 1.27.14
